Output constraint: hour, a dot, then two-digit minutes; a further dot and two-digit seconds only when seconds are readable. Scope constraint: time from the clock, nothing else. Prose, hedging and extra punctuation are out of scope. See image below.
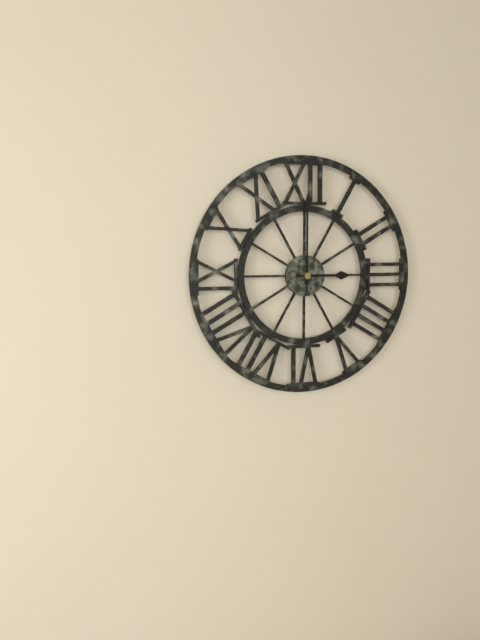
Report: 3.00
